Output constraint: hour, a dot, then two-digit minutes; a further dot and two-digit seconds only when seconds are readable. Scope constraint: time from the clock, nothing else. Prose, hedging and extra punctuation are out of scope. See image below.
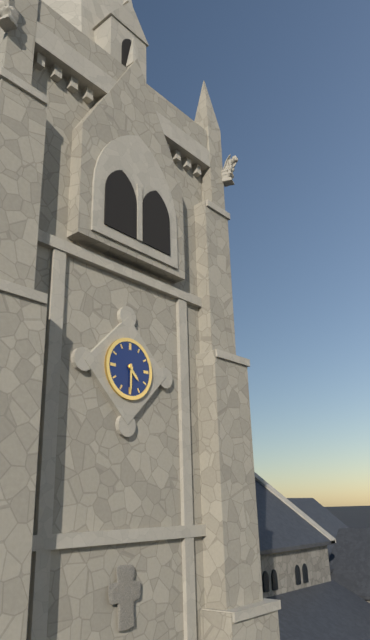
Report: 4.30
